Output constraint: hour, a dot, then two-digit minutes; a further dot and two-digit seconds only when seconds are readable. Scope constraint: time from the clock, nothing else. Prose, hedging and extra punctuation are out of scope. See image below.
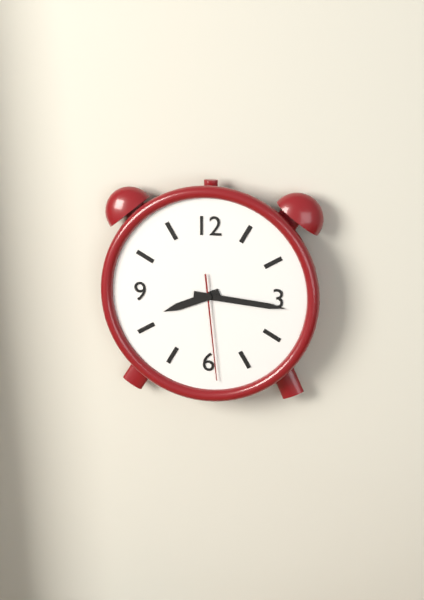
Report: 8.16.29
